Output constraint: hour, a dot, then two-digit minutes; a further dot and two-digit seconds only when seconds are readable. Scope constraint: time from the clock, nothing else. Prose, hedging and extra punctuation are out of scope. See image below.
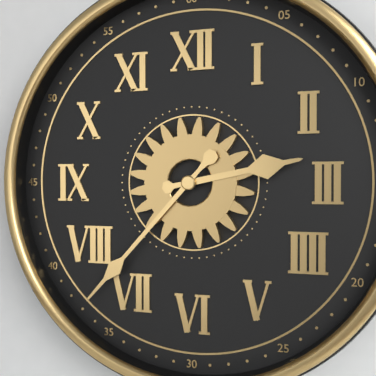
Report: 2.37
